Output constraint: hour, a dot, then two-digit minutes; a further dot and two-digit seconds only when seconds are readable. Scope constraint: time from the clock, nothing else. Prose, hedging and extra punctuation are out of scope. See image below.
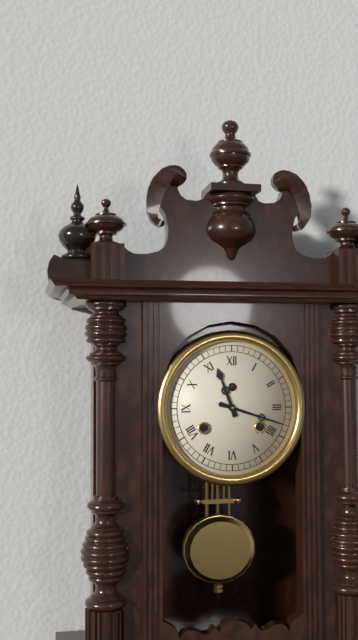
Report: 11.18
